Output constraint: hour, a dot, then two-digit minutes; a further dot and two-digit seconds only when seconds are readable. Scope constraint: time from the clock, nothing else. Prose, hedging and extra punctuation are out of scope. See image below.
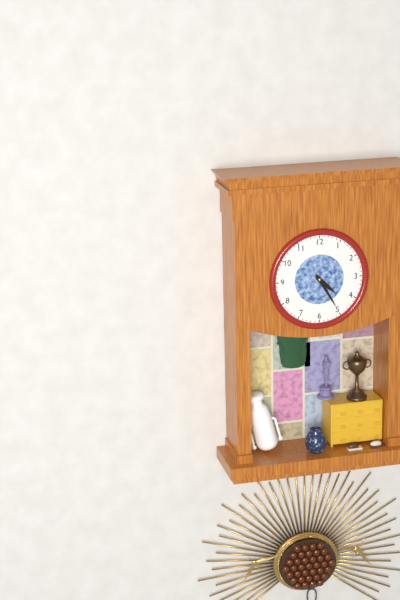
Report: 4.25
